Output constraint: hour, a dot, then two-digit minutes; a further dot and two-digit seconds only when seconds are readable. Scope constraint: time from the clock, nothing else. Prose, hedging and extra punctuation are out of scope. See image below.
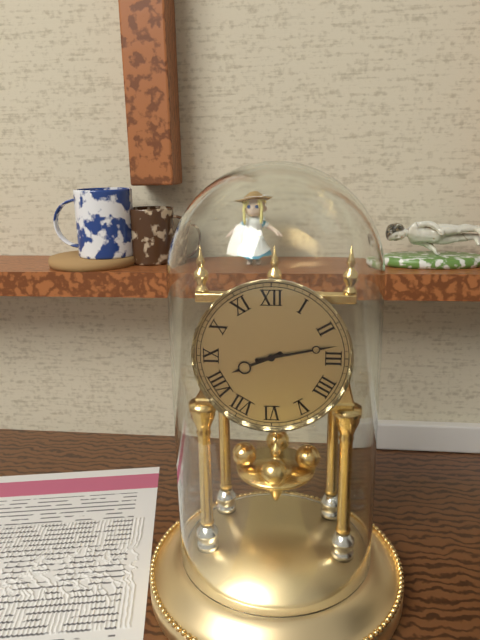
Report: 8.13
